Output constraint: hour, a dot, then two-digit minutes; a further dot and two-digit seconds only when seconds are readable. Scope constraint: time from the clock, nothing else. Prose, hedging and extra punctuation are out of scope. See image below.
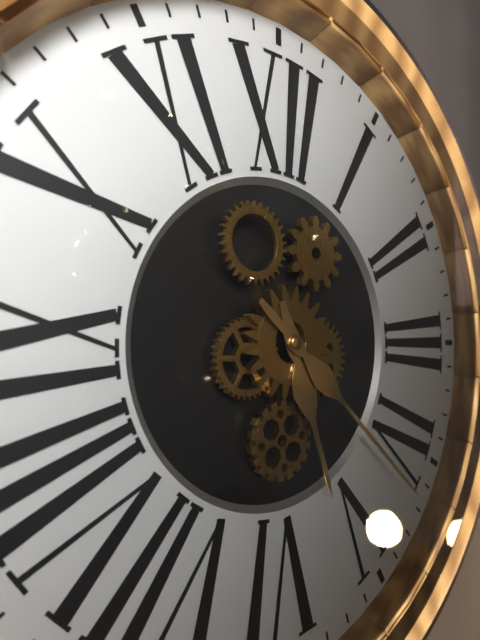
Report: 5.22
